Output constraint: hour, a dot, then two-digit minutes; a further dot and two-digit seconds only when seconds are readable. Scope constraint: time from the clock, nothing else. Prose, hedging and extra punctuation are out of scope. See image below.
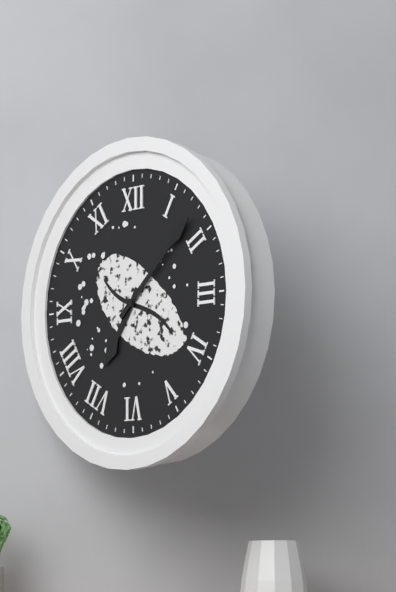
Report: 7.08
